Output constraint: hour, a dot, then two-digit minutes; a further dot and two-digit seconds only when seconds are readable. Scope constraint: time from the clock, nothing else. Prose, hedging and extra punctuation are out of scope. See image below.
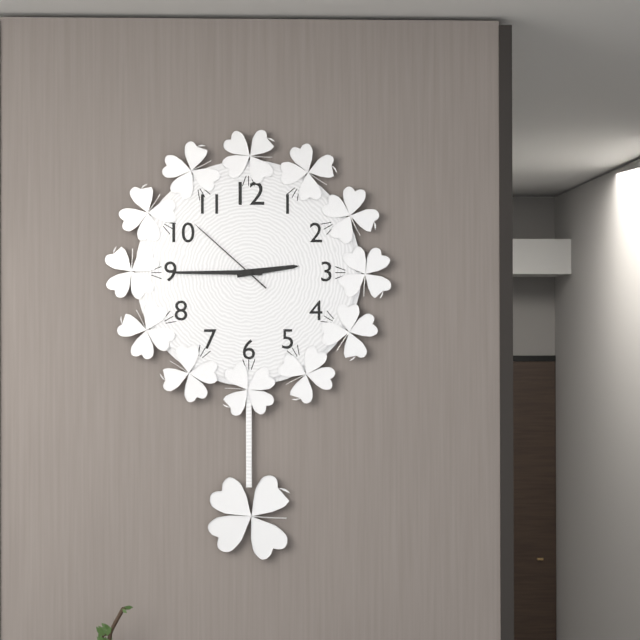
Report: 2.45.52
